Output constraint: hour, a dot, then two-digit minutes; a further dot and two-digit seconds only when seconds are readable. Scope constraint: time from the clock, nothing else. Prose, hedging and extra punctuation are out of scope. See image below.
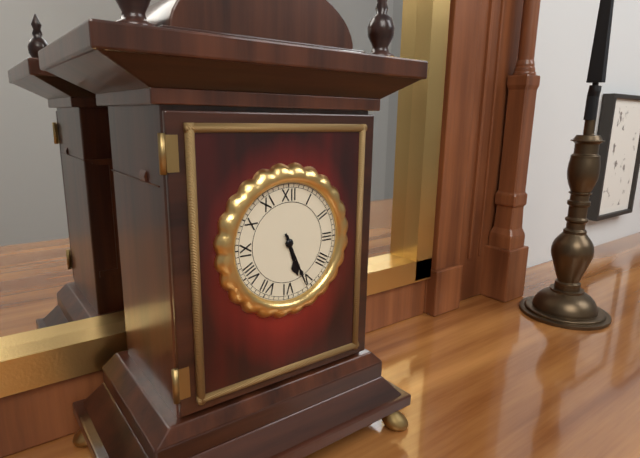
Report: 5.26
